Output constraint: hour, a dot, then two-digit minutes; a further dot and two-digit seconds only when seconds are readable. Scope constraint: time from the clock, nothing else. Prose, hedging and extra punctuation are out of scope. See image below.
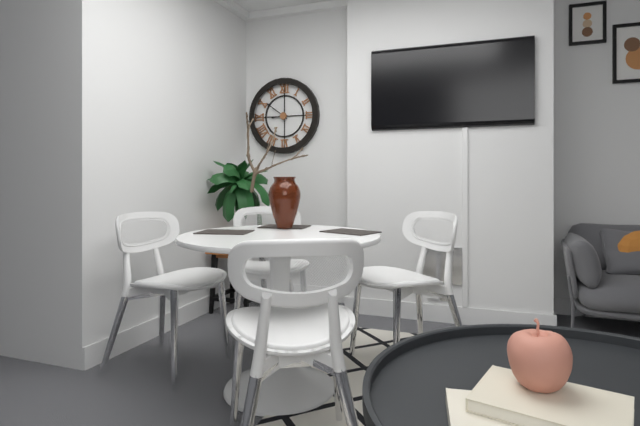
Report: 8.51
